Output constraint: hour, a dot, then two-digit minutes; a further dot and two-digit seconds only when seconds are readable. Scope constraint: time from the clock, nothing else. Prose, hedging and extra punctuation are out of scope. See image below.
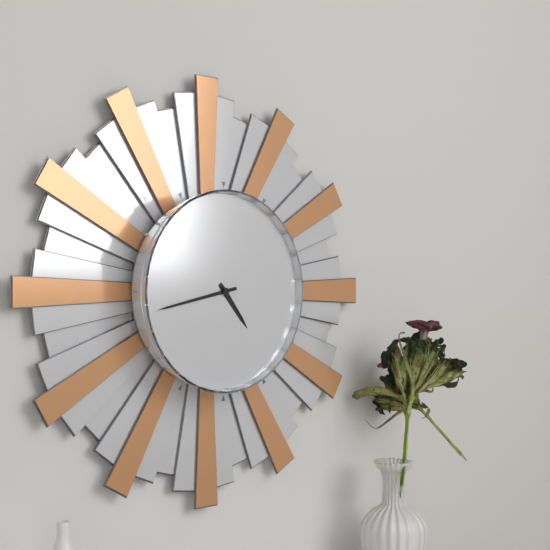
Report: 4.43
